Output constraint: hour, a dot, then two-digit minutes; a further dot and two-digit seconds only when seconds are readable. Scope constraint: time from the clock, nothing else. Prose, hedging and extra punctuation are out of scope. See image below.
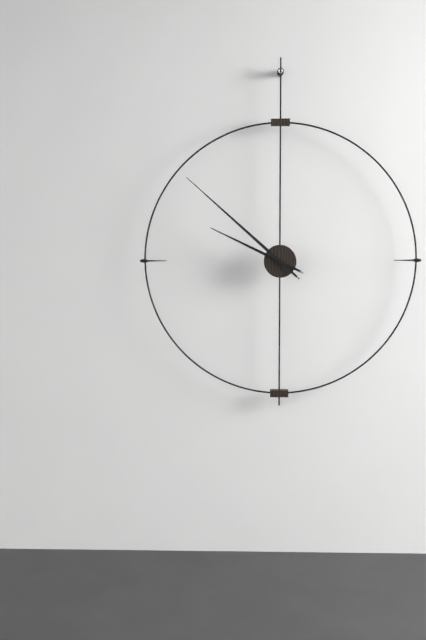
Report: 9.52
